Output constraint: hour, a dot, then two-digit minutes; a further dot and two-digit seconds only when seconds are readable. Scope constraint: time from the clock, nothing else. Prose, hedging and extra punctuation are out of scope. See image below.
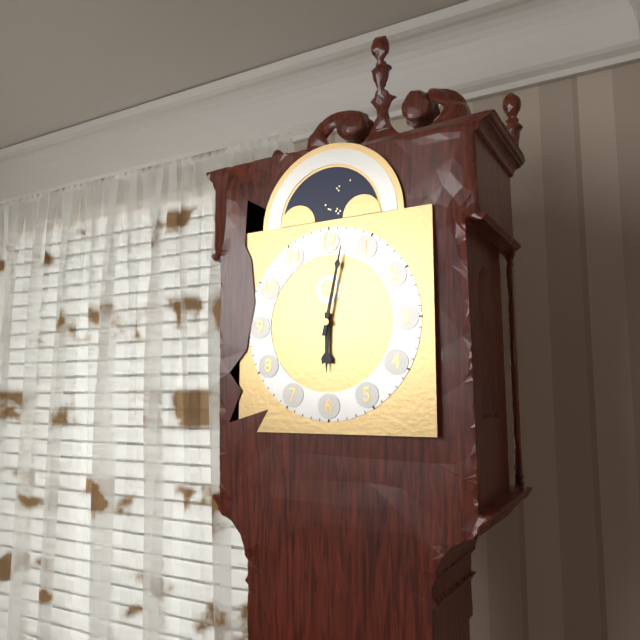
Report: 6.02
